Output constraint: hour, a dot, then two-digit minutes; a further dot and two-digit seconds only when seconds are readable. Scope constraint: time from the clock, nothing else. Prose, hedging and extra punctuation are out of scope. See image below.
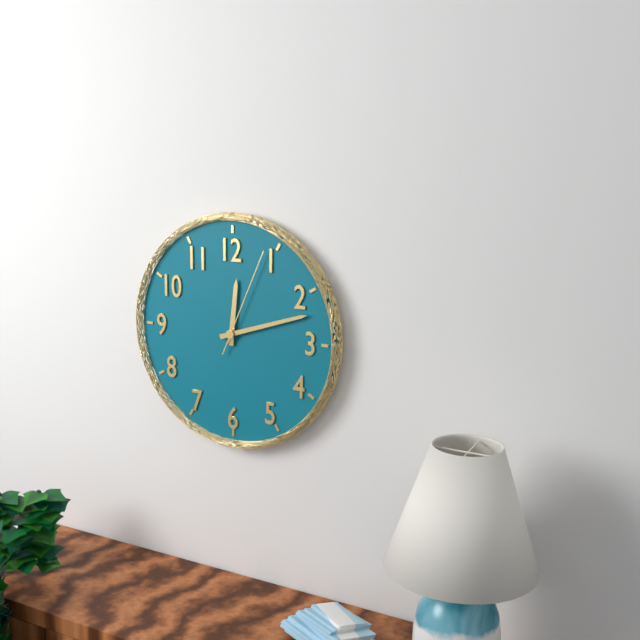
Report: 12.12.04
